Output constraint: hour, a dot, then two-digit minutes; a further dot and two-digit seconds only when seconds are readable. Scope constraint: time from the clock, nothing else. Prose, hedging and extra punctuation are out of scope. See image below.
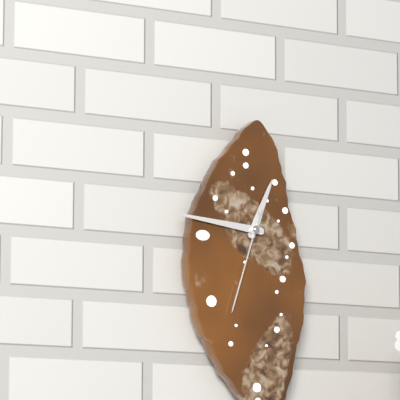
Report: 12.46.33
